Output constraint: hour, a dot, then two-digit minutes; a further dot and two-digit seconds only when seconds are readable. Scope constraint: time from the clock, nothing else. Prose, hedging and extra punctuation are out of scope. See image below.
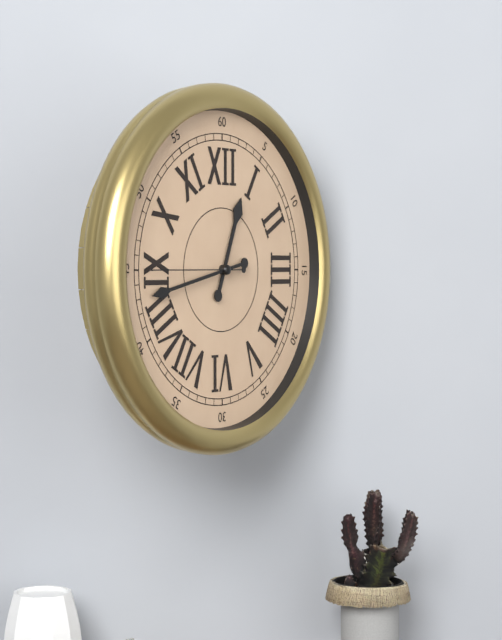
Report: 12.43.45
